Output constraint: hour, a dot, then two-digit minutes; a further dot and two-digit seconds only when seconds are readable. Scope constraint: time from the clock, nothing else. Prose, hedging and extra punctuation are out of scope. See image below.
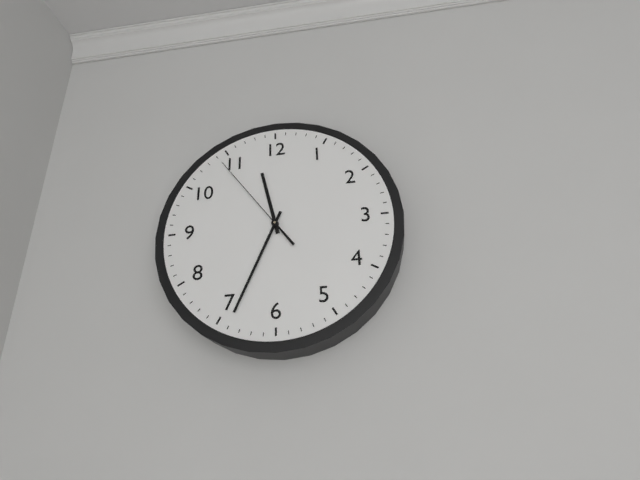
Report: 11.34.54
